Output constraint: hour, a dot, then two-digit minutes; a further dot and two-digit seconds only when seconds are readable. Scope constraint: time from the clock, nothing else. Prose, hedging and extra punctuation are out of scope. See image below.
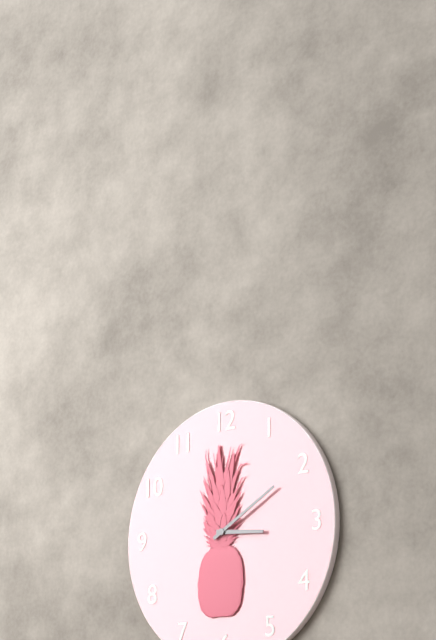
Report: 3.10
